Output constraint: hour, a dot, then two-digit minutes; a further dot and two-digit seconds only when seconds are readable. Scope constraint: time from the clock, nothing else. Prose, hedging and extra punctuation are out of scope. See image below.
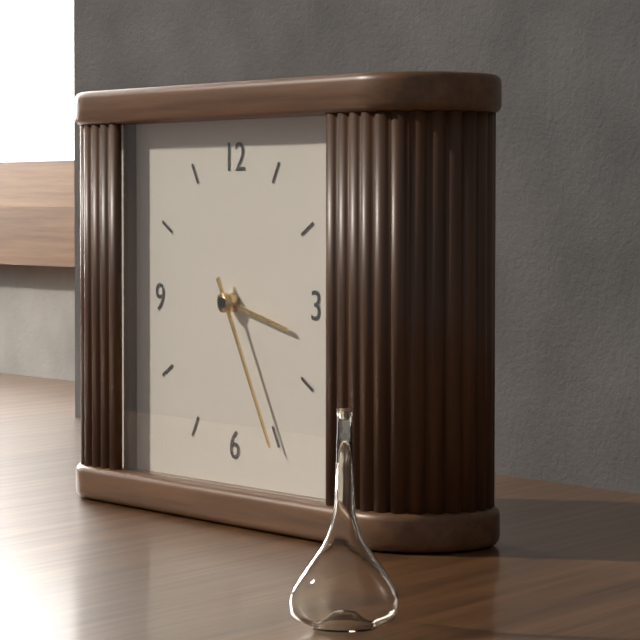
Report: 3.25
